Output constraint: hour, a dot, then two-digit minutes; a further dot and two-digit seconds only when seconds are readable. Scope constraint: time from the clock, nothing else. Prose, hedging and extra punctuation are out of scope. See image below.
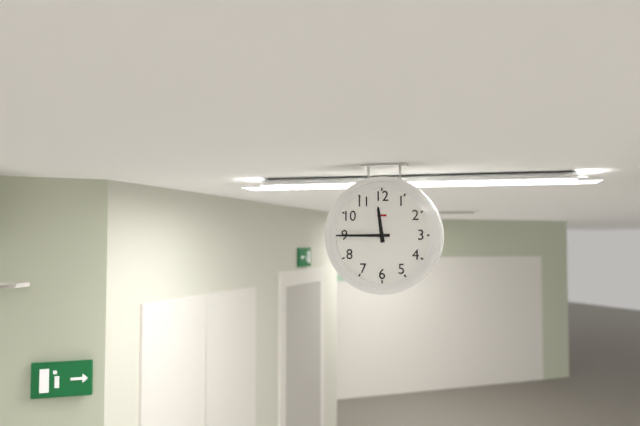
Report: 11.45
